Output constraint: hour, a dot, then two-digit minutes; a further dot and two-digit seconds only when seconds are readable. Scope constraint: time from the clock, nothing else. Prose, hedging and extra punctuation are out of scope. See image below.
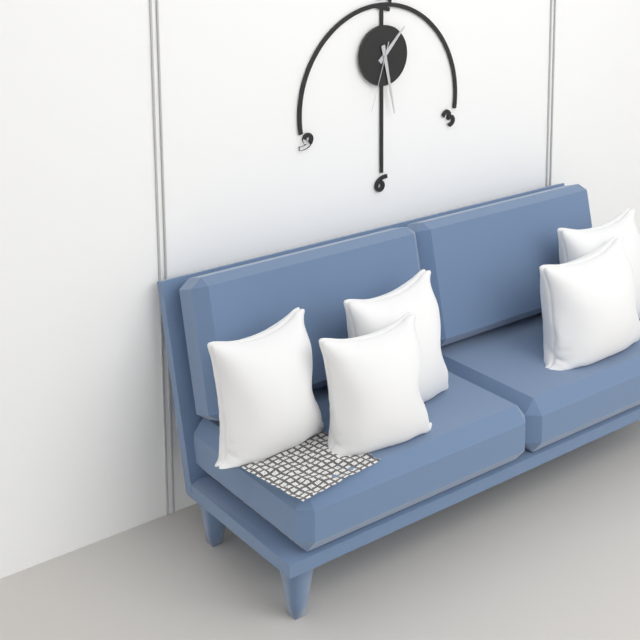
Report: 1.28.33
